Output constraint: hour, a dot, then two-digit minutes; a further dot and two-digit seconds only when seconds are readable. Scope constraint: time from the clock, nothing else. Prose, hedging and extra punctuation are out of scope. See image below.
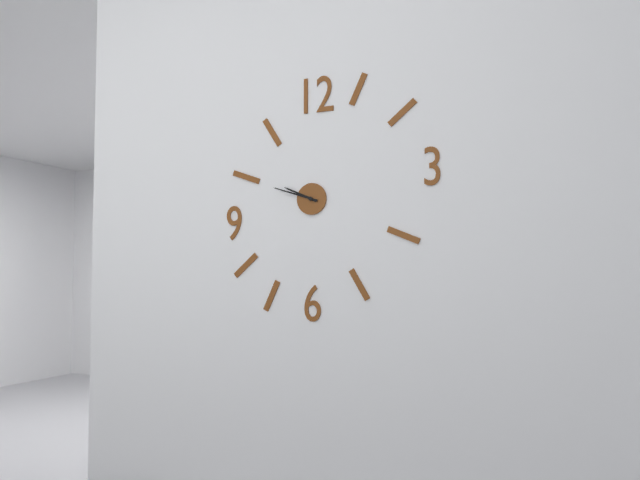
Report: 9.48
